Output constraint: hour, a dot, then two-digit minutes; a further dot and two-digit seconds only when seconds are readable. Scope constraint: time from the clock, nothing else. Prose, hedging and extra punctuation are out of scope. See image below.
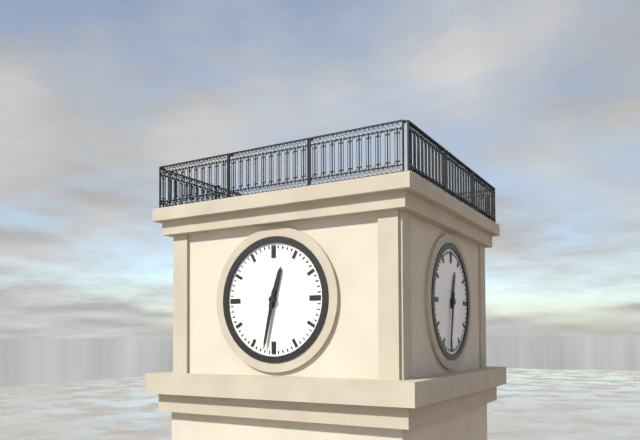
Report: 12.32
